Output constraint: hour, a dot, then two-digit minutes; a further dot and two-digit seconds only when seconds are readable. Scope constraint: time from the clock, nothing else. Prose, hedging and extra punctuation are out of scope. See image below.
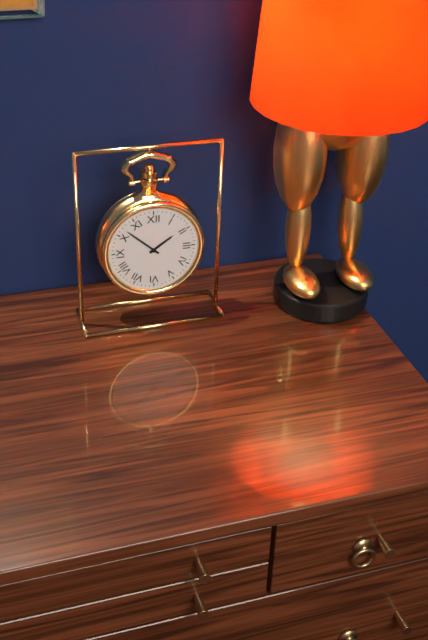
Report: 1.52
